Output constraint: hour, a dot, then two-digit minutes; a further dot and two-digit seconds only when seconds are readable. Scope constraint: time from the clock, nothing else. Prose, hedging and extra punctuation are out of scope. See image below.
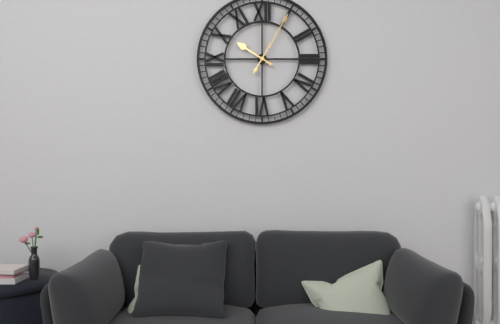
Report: 10.05
